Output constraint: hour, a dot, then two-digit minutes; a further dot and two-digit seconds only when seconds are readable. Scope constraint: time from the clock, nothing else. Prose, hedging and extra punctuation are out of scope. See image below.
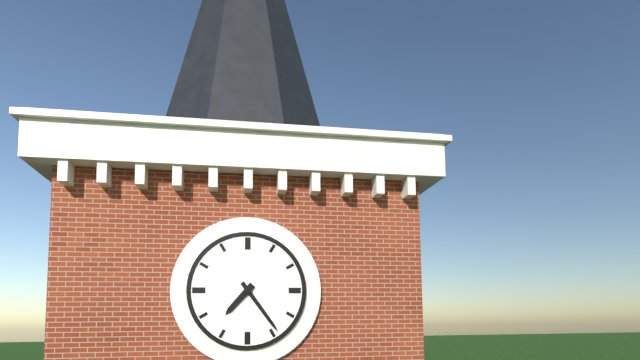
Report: 7.24
